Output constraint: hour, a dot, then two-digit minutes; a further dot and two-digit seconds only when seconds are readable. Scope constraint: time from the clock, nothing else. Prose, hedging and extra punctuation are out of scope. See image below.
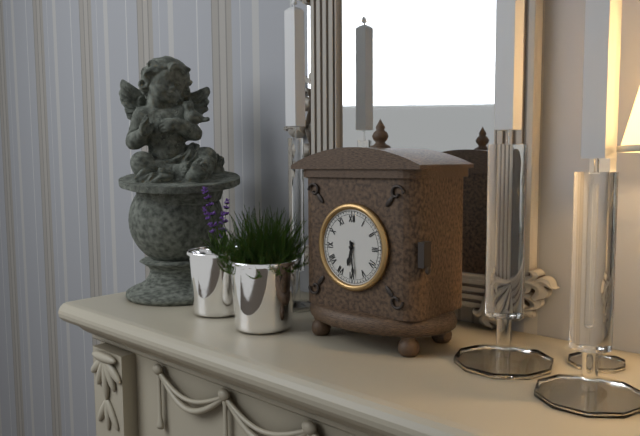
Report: 6.29
